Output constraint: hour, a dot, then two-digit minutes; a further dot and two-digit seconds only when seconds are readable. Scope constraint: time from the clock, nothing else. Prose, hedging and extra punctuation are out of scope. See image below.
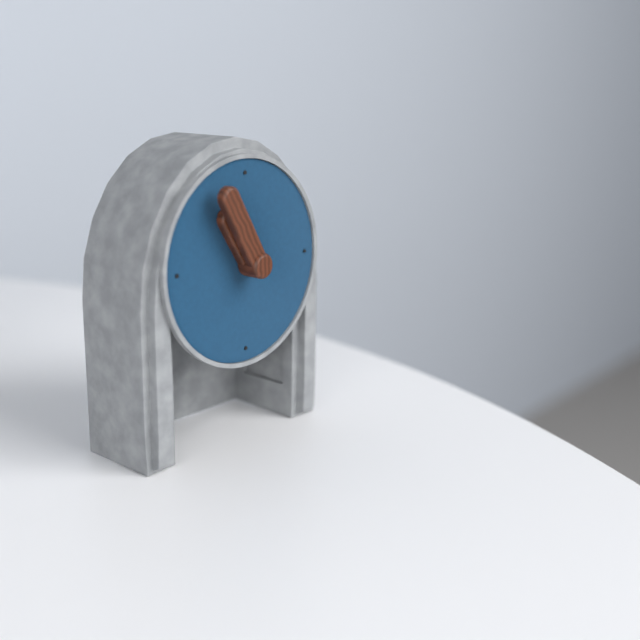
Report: 10.55
